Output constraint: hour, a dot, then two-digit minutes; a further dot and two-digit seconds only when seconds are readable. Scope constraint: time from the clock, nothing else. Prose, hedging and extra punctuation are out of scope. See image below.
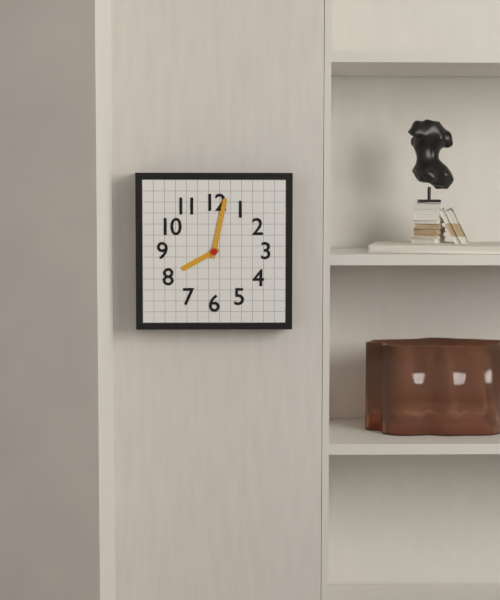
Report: 8.02
